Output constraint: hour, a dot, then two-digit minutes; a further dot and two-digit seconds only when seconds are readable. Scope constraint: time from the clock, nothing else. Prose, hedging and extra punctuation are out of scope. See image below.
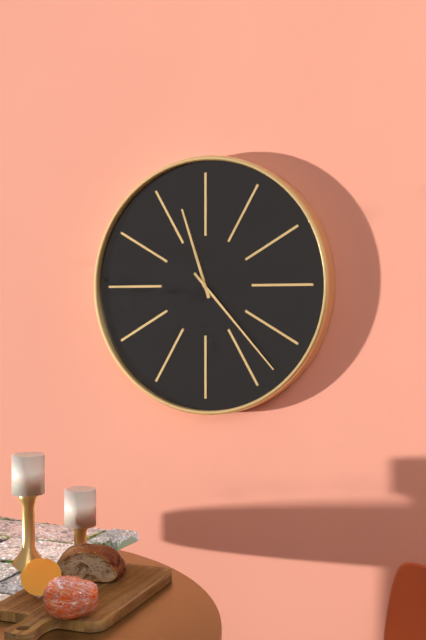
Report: 11.23
